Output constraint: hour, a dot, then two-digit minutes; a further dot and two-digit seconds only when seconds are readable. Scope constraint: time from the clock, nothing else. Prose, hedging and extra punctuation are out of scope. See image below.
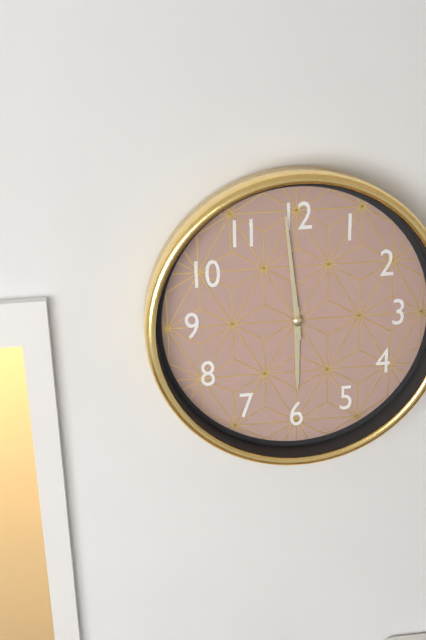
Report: 5.59
